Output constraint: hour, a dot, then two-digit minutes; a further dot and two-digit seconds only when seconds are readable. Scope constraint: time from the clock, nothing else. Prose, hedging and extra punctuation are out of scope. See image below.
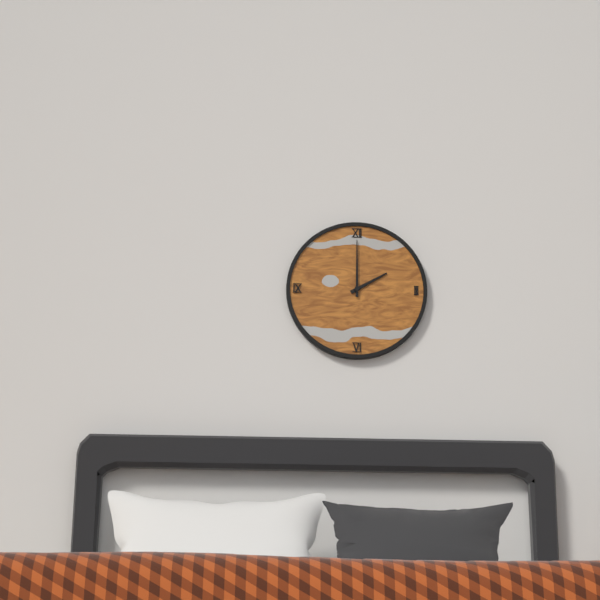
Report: 2.00
